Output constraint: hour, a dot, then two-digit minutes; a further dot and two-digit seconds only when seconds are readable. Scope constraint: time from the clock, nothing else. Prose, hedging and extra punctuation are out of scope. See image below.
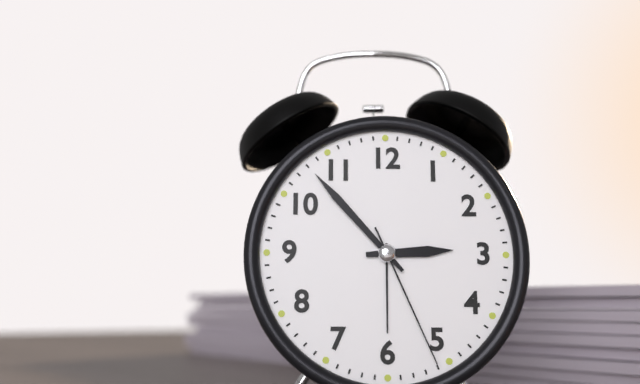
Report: 2.53.26
